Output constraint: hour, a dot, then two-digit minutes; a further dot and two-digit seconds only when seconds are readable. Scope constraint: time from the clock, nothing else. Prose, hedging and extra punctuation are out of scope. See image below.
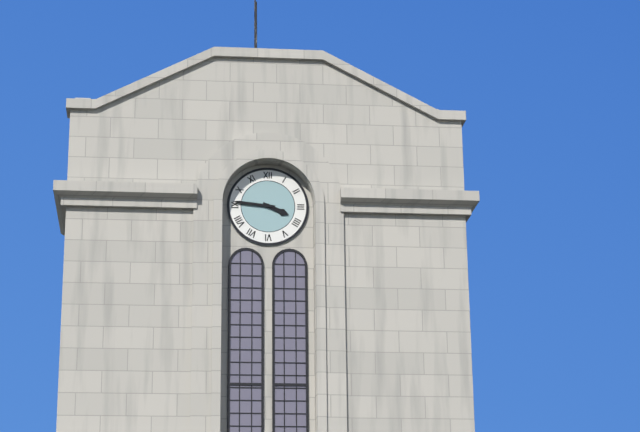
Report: 3.46
